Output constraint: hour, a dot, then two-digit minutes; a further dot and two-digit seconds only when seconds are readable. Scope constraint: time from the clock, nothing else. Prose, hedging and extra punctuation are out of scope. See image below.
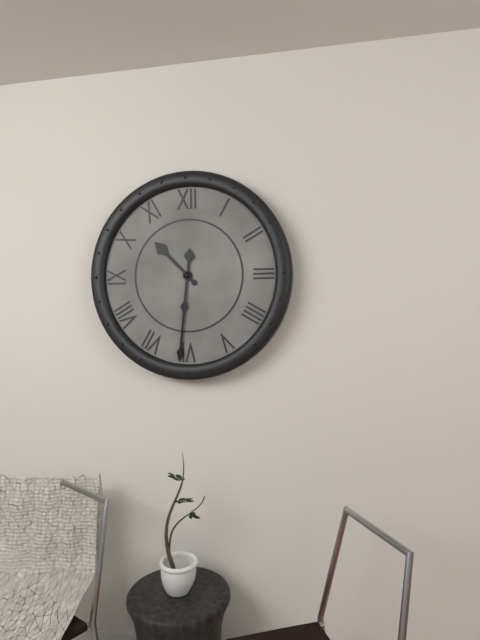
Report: 10.31
